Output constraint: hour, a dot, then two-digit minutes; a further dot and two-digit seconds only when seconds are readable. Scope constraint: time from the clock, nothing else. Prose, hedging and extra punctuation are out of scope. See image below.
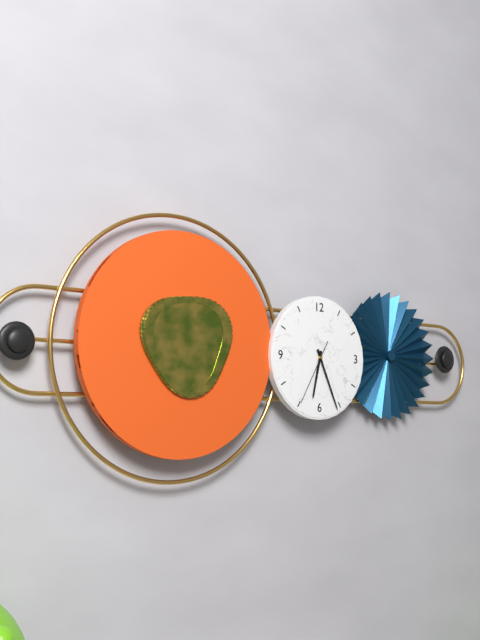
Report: 6.26.35
